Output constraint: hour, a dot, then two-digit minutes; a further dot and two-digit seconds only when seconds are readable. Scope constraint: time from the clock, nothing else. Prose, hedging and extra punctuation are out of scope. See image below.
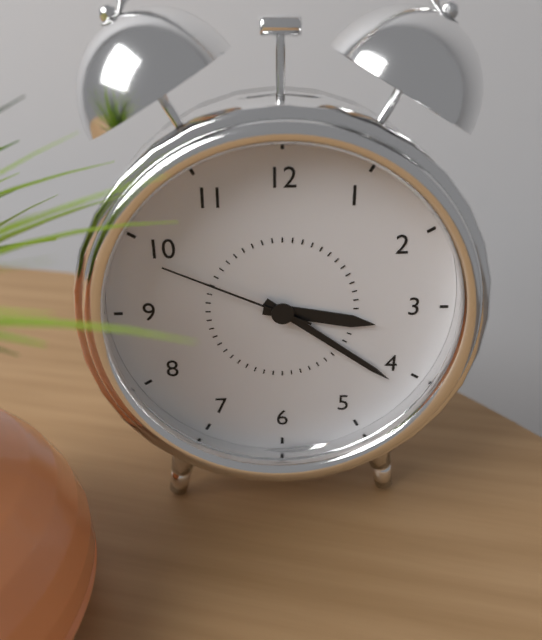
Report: 3.21.49
